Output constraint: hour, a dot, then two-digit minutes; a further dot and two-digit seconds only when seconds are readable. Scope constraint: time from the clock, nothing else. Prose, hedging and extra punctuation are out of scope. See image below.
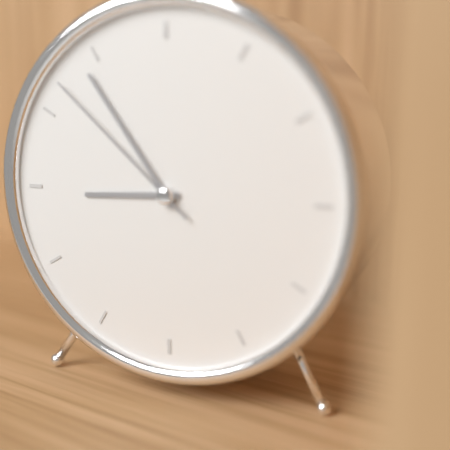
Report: 8.54.52
